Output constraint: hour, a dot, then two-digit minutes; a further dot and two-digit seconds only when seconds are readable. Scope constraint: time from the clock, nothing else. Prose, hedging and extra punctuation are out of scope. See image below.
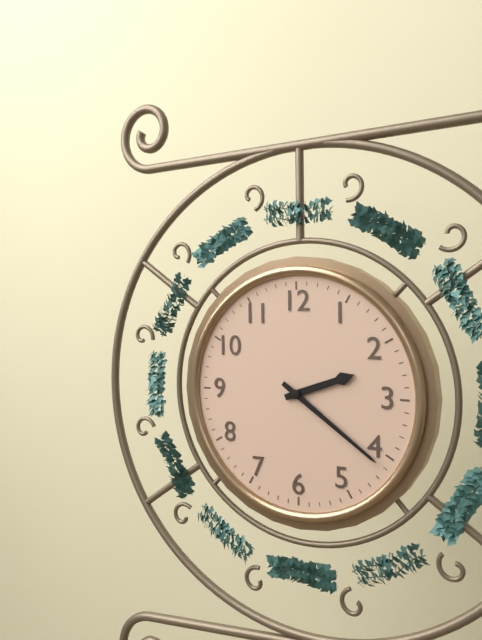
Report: 2.21
